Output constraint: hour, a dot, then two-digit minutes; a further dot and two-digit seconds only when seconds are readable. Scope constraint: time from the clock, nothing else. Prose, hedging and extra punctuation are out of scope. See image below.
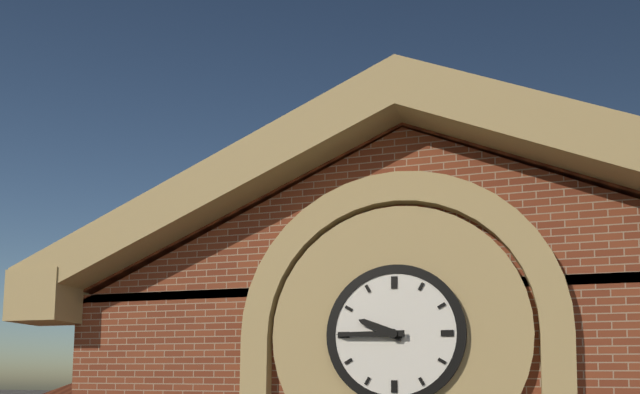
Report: 9.45
